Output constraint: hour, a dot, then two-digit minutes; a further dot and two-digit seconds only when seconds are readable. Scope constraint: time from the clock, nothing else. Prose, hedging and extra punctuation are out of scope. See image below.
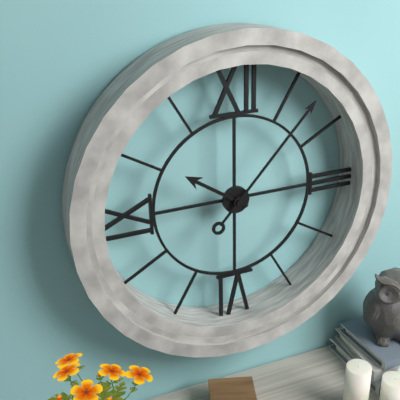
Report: 10.07
